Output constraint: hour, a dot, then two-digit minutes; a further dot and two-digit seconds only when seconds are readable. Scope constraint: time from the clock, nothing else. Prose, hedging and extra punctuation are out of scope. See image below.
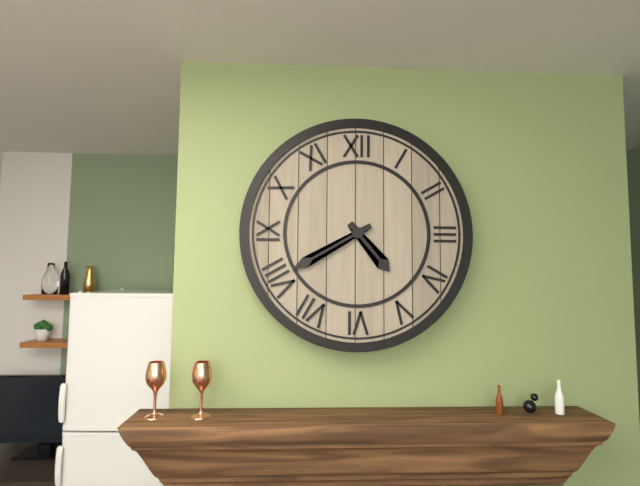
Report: 4.40
